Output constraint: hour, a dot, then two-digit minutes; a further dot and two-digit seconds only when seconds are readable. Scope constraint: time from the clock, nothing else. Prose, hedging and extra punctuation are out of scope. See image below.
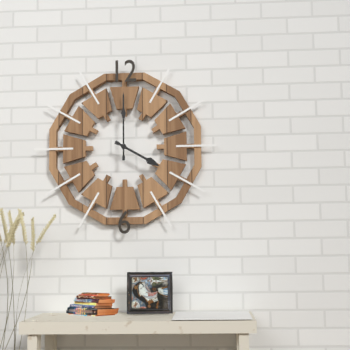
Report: 4.00
